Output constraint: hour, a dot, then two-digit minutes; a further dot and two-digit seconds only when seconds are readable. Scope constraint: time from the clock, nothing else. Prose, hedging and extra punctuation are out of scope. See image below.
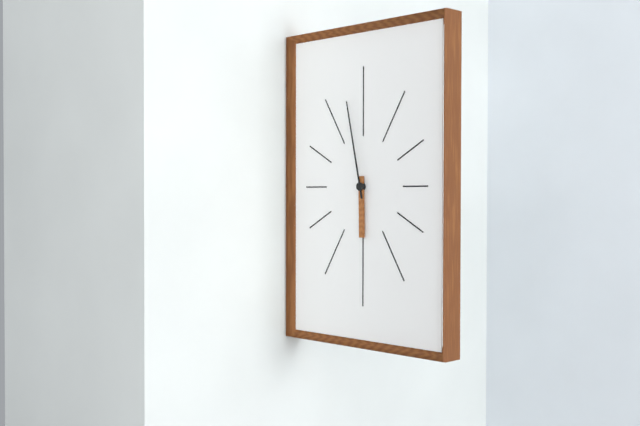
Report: 5.58
